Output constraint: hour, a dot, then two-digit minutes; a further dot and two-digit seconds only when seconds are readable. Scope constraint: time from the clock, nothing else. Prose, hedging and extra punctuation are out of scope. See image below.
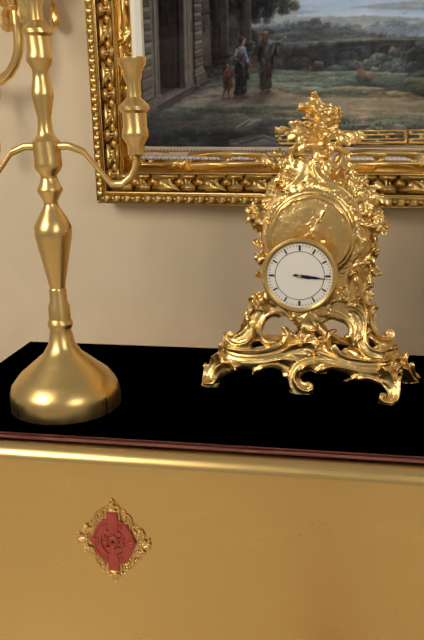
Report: 3.16
